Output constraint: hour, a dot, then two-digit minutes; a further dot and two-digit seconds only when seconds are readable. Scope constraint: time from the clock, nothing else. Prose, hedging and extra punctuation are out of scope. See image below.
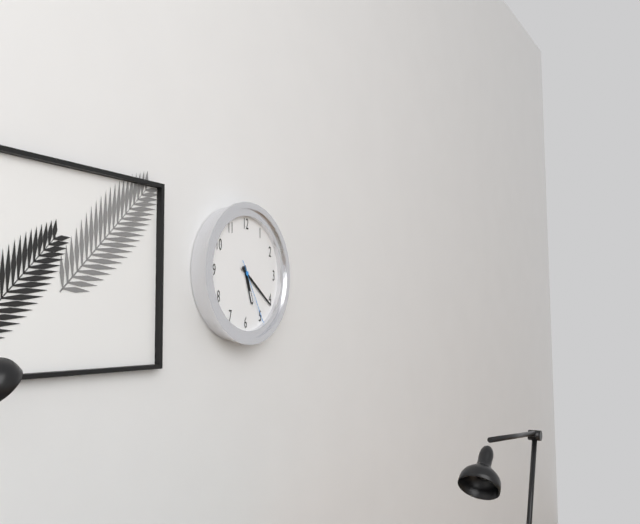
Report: 5.21.25
